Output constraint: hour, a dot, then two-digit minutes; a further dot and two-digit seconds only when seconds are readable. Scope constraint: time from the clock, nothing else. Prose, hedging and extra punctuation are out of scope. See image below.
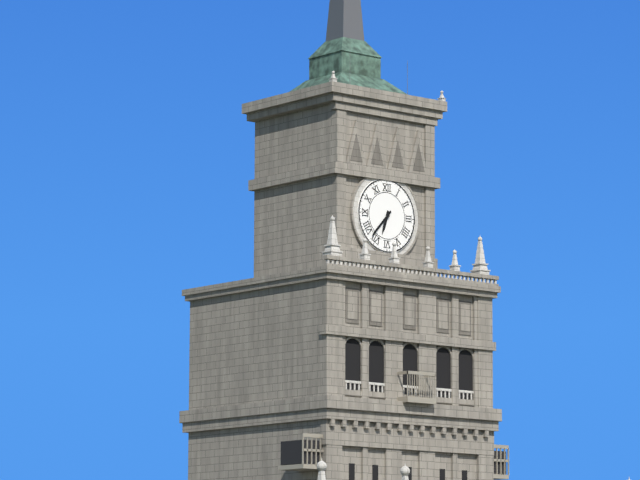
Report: 6.37
